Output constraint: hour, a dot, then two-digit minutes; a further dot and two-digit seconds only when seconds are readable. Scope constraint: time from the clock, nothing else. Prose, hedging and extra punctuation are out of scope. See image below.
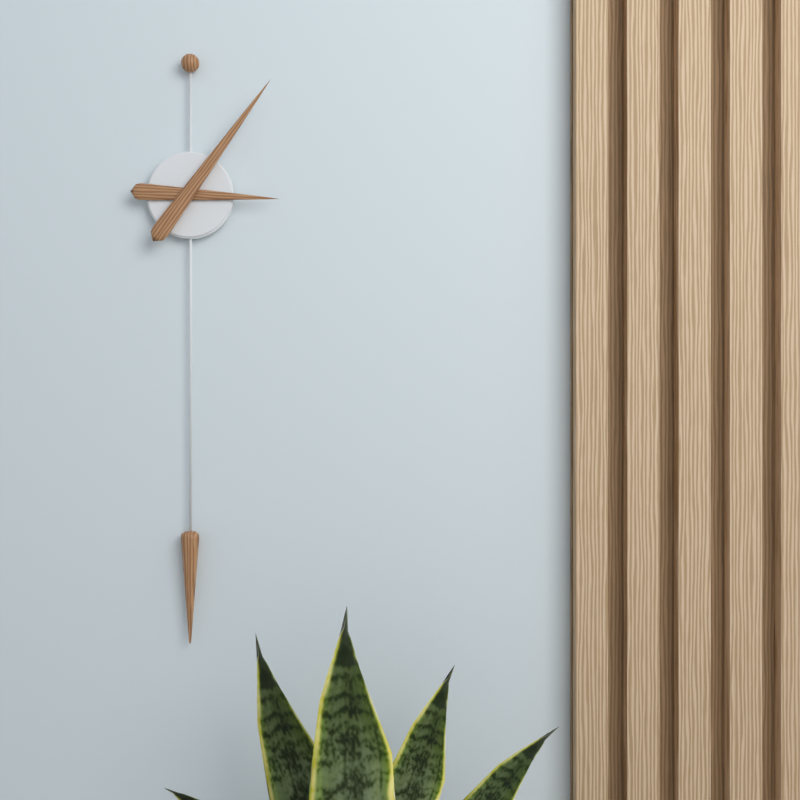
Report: 3.06
